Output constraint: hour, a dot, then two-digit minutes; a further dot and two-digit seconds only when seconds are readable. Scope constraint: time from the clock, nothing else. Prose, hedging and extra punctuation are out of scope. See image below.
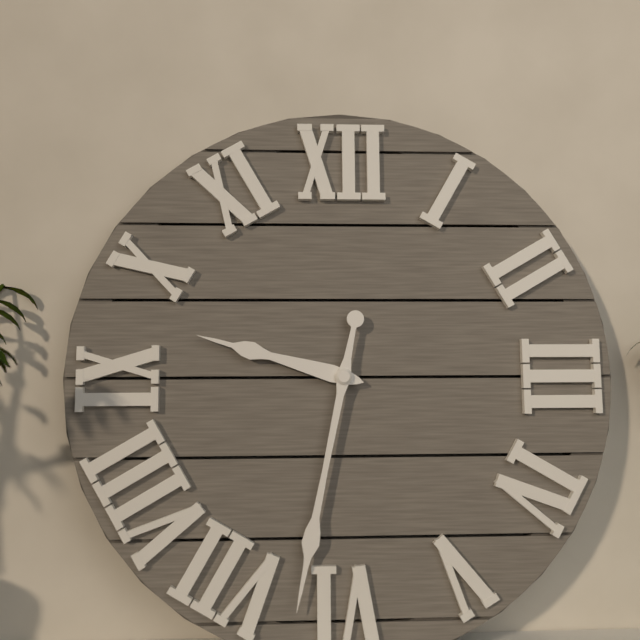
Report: 9.32
